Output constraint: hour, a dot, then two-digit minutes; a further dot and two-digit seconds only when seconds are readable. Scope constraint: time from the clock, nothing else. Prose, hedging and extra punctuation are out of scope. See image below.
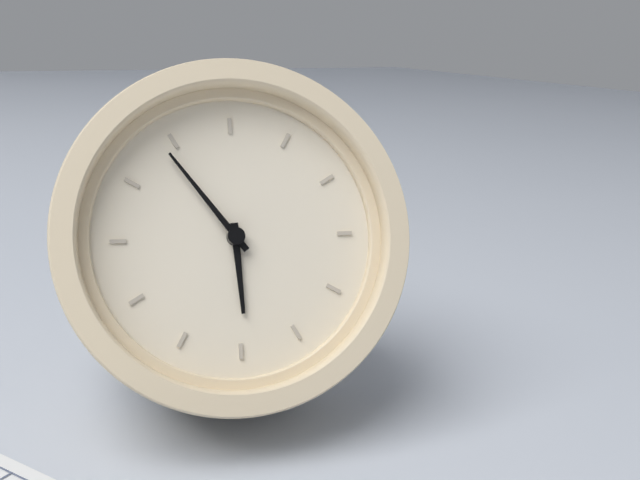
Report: 5.54
